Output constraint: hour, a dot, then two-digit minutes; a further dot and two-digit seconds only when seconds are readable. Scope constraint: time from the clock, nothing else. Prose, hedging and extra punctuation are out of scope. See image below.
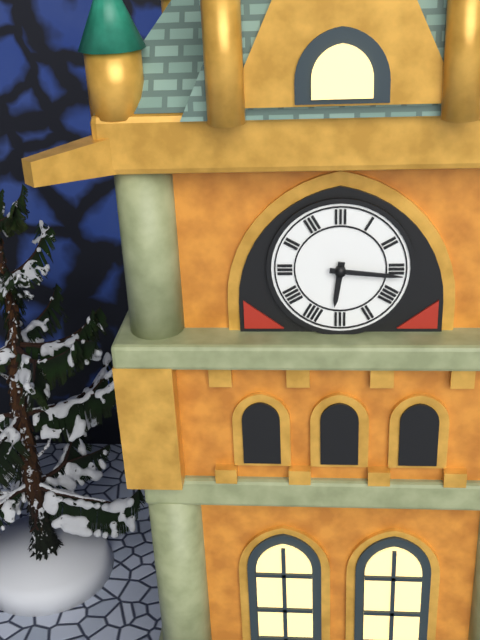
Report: 6.16
